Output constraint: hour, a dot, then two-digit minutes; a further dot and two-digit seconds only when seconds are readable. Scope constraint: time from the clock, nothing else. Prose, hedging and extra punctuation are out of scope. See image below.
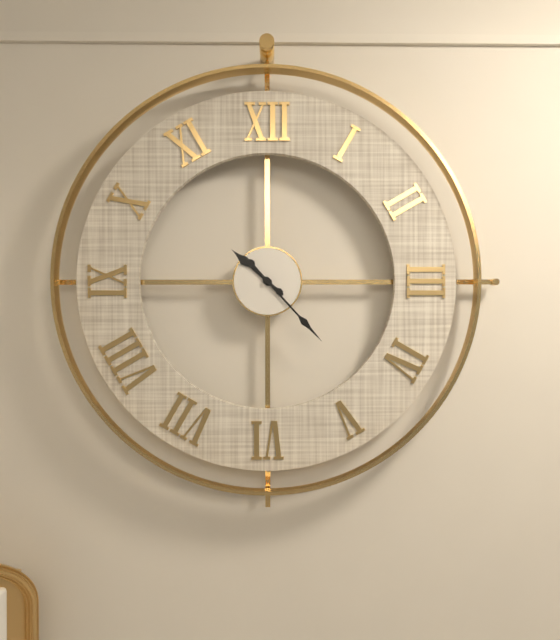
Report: 10.23
